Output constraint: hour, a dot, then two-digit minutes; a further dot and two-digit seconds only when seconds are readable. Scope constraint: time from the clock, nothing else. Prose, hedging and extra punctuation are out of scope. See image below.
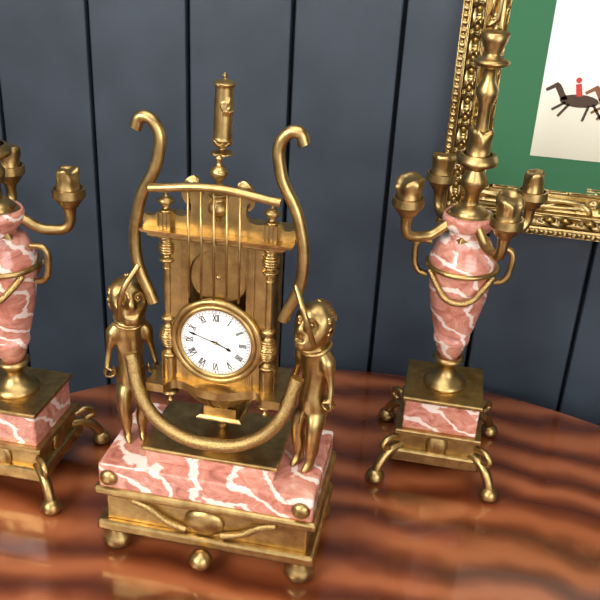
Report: 3.48
